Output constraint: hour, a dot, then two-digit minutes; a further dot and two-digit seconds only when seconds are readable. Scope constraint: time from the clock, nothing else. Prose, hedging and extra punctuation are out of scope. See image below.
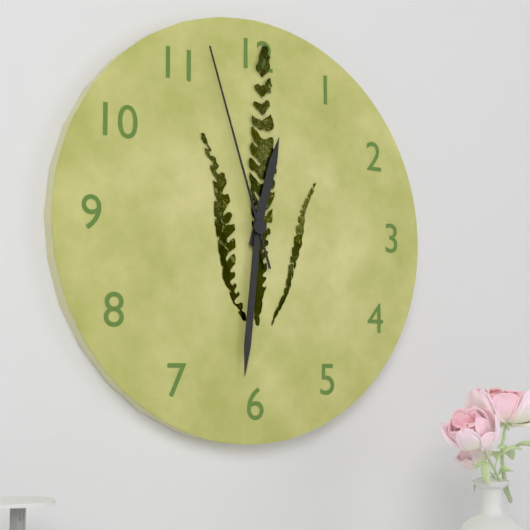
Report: 12.31.57
